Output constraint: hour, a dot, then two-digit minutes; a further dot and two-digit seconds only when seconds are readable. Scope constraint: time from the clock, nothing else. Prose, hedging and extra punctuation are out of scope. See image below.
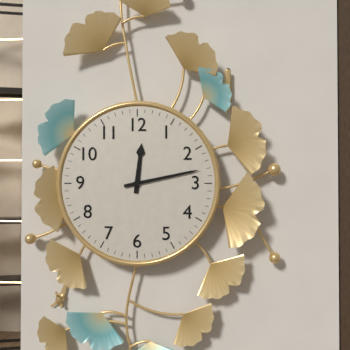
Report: 12.13
